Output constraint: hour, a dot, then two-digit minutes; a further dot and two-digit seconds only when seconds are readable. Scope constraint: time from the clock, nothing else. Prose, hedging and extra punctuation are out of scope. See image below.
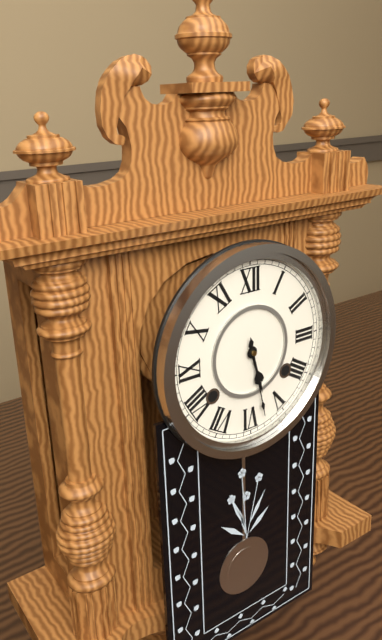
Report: 5.28
